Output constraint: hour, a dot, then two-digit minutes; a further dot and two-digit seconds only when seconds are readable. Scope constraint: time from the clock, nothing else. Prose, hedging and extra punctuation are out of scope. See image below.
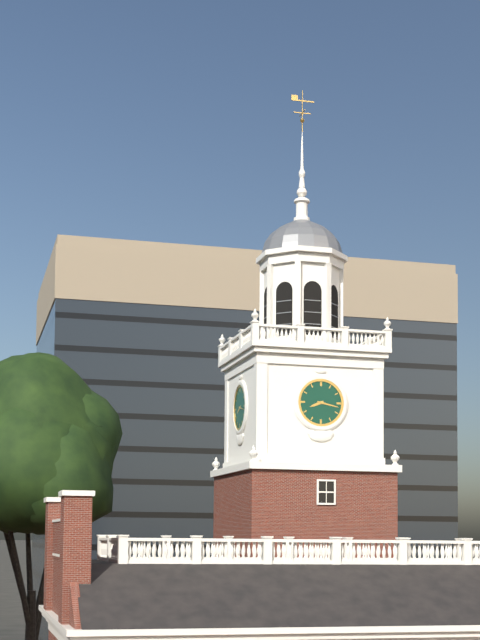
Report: 8.17
